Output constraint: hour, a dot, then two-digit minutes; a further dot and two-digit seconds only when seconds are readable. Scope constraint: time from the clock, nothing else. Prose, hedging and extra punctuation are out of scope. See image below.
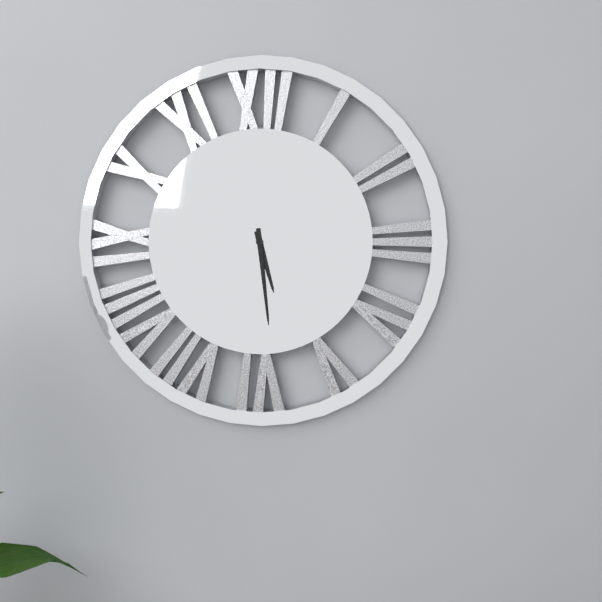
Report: 5.29
